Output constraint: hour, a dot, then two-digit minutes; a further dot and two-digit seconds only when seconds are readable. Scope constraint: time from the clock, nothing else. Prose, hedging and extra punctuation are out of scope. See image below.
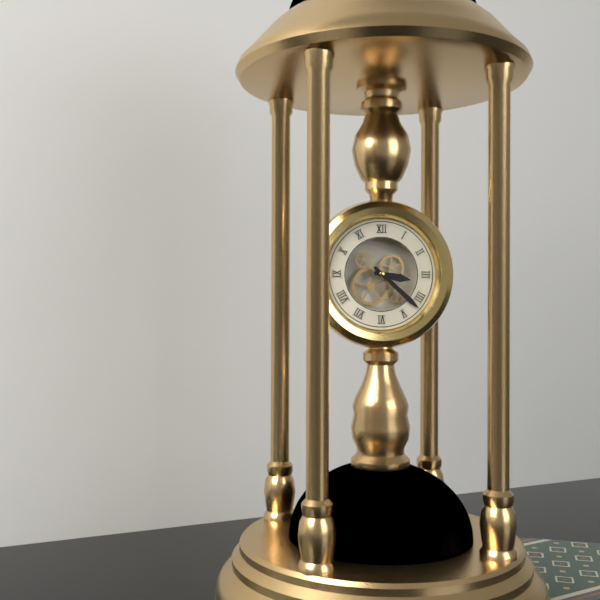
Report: 3.22
